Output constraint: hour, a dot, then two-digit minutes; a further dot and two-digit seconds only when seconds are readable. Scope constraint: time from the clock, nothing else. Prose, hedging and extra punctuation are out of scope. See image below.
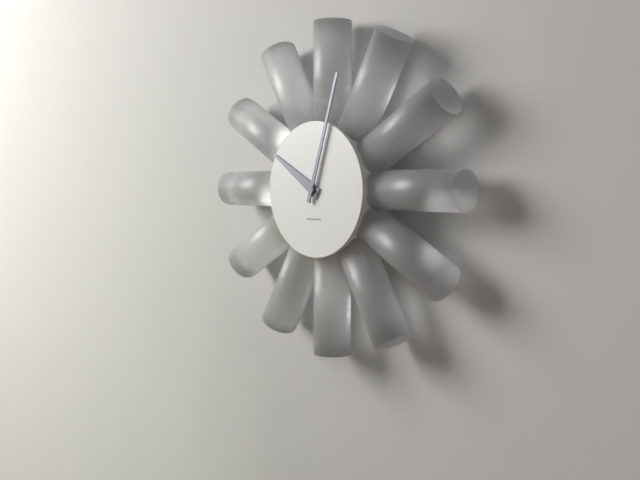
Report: 10.03
